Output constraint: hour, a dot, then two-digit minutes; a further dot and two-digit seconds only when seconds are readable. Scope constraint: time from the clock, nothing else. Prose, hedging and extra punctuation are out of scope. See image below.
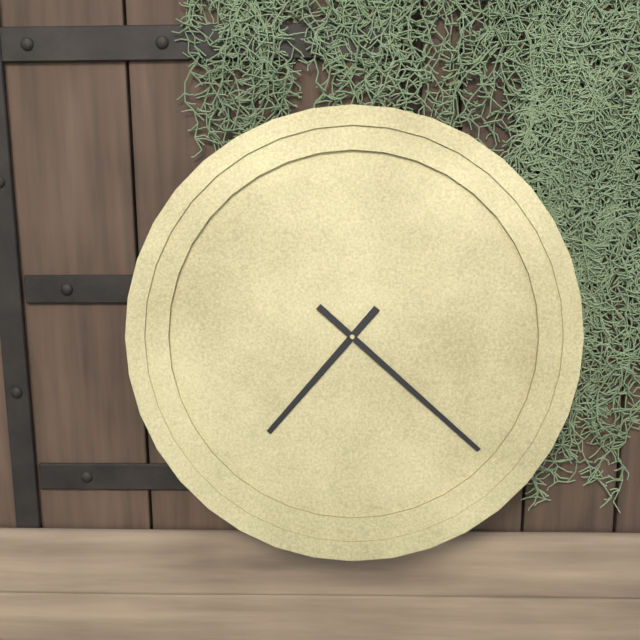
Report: 7.22
